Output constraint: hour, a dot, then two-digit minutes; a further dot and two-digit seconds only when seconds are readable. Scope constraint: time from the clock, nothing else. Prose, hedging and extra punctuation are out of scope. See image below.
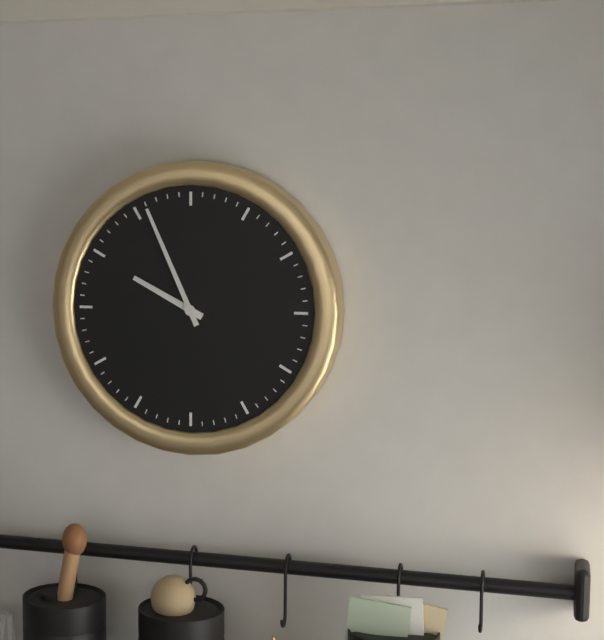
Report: 9.56
